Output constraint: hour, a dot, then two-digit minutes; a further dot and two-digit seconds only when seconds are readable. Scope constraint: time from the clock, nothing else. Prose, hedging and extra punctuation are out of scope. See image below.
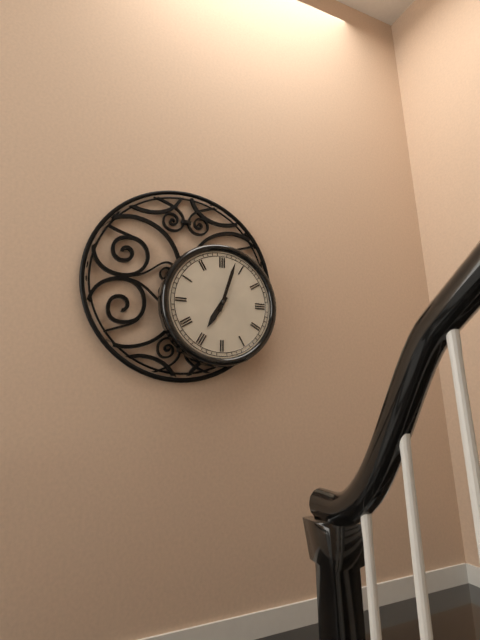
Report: 7.03
